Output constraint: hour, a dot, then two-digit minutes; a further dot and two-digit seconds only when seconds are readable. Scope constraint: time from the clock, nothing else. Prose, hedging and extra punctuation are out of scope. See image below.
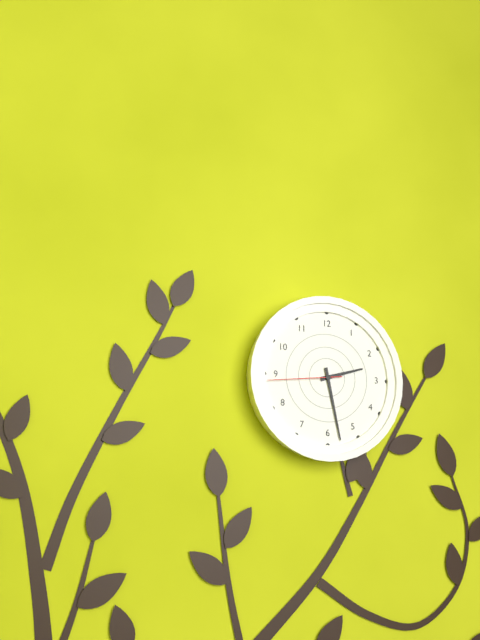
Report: 2.28.44
